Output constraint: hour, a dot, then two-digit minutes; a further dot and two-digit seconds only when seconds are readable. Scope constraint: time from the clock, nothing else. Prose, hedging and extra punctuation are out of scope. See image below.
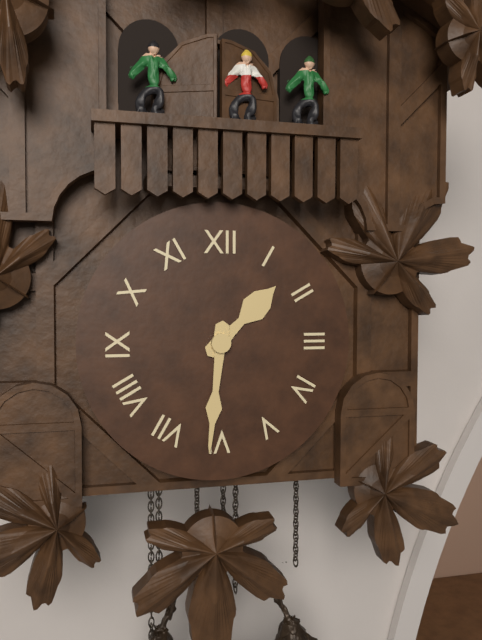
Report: 1.31
